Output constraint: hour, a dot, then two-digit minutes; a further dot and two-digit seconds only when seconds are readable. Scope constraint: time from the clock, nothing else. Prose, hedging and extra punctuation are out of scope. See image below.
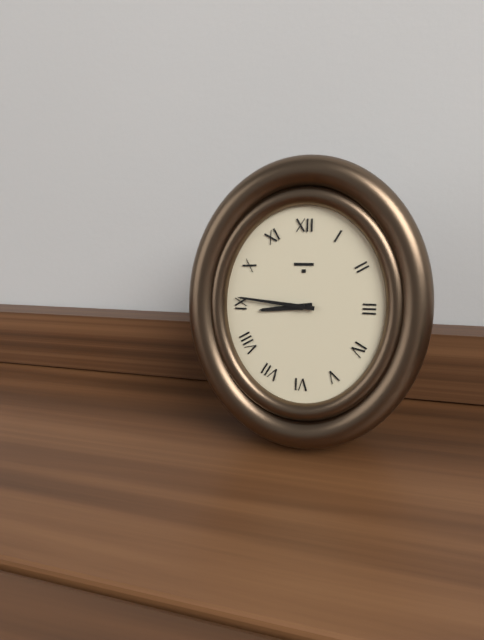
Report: 8.46
